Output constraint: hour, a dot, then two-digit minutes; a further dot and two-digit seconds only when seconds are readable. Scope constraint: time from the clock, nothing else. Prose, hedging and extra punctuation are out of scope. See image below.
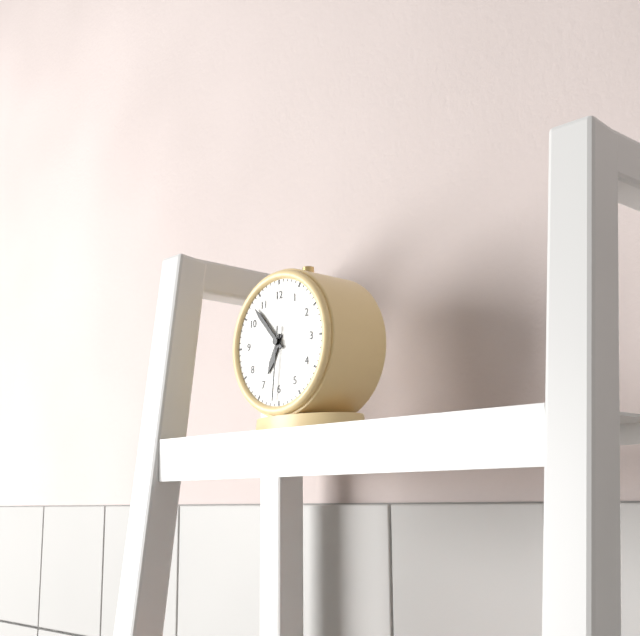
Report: 6.53.31
